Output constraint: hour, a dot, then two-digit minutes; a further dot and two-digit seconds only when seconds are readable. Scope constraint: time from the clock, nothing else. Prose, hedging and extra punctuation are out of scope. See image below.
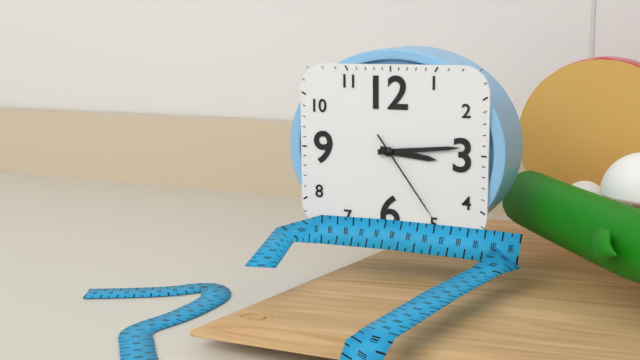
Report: 3.14.24
